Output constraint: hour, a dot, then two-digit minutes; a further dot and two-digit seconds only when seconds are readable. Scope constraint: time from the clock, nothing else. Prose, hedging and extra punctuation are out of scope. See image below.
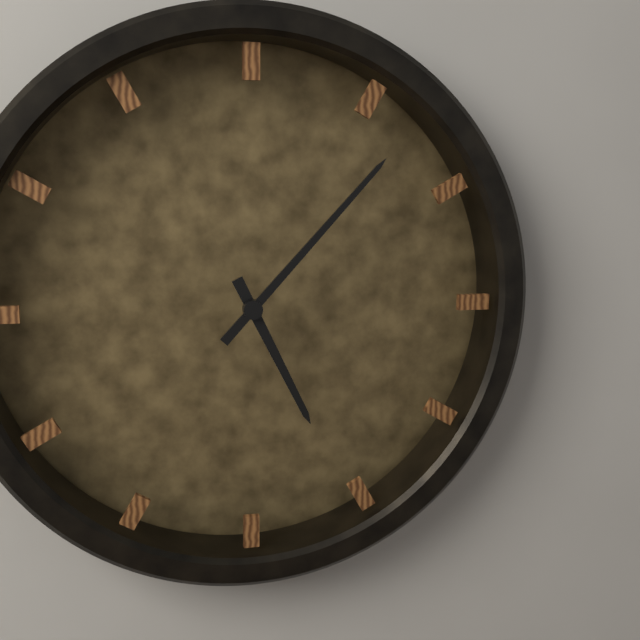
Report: 5.07
